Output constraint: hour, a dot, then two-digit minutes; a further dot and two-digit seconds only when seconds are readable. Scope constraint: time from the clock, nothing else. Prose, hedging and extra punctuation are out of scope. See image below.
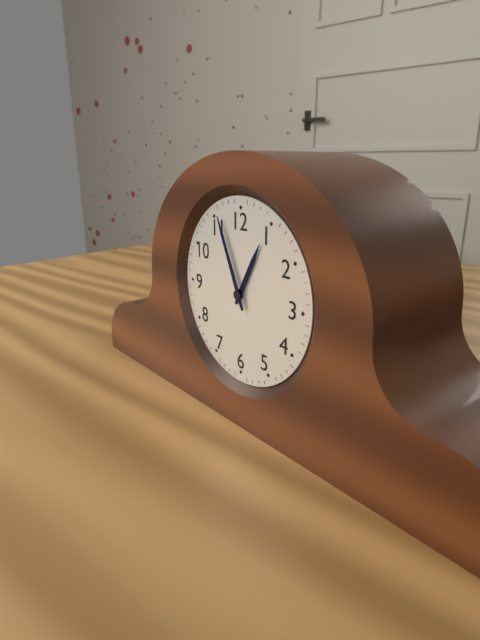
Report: 12.56
